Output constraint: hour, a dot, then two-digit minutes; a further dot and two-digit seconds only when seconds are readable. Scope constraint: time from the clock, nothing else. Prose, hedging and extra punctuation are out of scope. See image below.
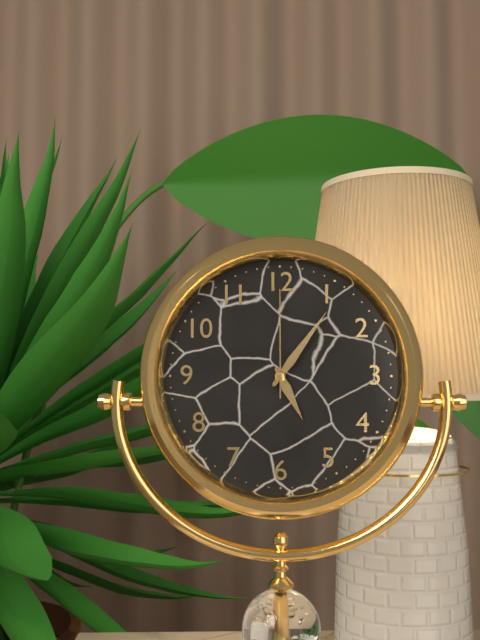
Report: 5.06.00
